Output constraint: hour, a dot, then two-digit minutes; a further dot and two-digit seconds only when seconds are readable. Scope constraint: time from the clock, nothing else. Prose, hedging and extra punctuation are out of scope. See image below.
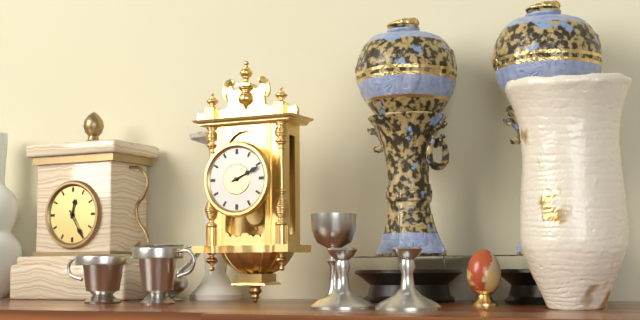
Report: 2.11
